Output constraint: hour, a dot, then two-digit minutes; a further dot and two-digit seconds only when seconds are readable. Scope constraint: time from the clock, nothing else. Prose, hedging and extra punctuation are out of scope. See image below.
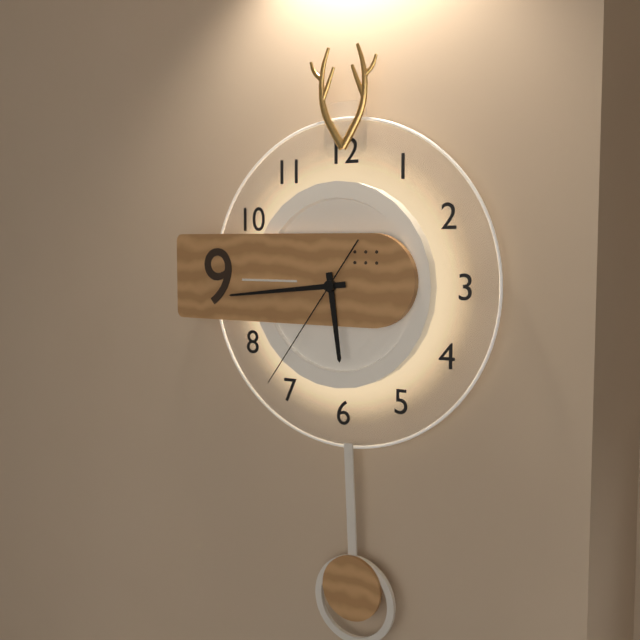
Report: 5.44.36
